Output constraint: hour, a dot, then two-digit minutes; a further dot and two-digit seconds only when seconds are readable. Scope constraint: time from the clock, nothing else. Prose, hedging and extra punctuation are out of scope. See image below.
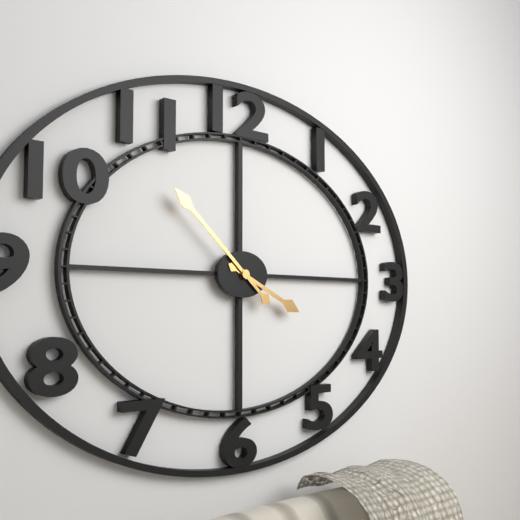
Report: 3.52
